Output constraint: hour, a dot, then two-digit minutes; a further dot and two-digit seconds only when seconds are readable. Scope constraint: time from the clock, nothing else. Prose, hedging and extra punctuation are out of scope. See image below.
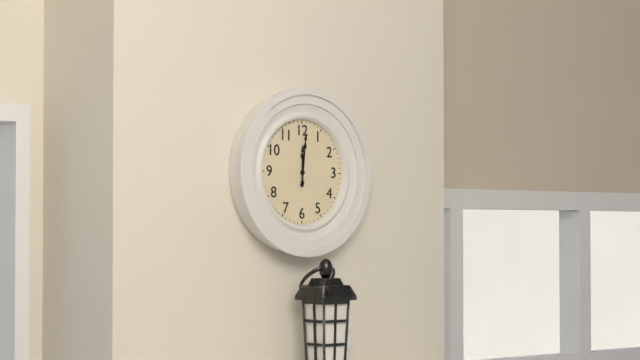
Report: 12.01
